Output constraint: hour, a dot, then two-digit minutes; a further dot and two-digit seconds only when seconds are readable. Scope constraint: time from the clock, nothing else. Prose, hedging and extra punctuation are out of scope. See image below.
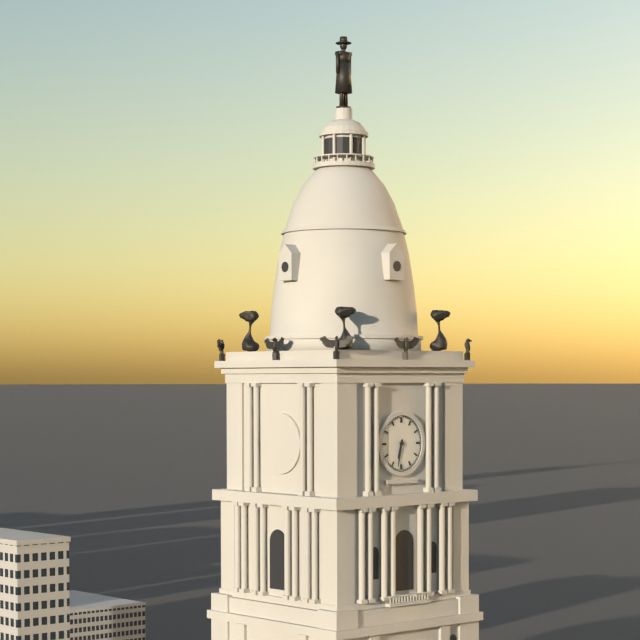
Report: 6.32
